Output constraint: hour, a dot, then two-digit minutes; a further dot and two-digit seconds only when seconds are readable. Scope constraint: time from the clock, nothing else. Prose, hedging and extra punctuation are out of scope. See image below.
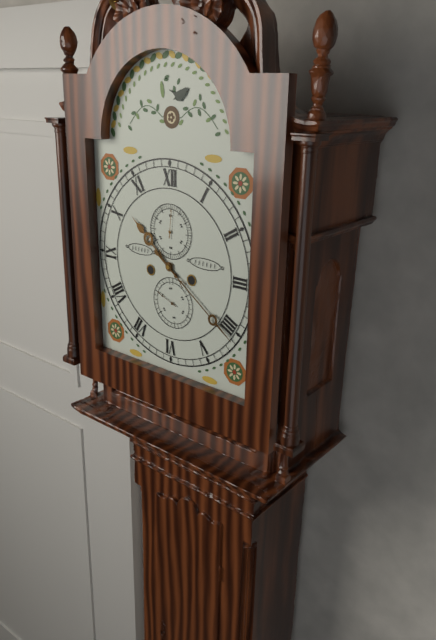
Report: 10.21
